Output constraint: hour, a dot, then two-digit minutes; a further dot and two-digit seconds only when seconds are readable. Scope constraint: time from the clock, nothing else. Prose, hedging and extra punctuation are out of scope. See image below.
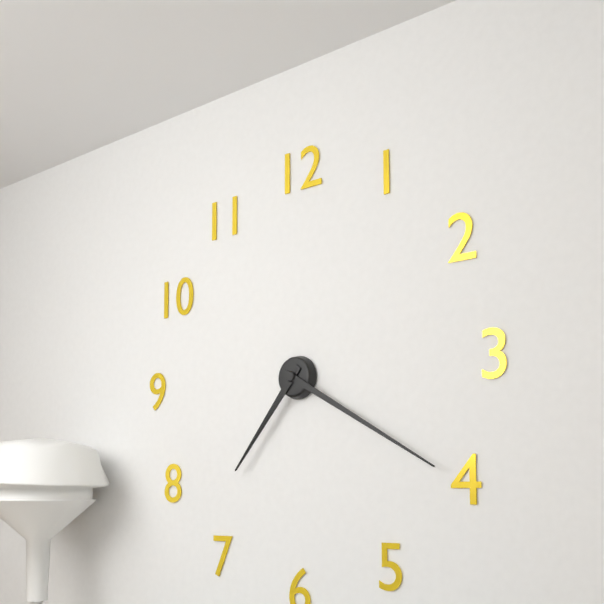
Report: 7.20
